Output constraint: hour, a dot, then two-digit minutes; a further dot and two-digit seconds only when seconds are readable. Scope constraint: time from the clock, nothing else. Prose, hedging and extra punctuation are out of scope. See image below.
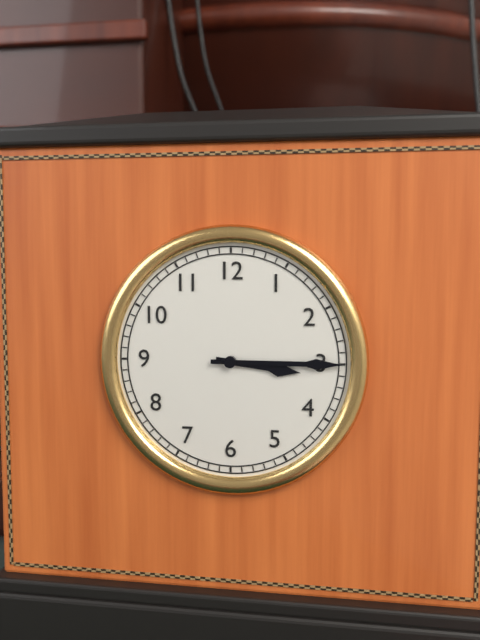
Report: 3.15
